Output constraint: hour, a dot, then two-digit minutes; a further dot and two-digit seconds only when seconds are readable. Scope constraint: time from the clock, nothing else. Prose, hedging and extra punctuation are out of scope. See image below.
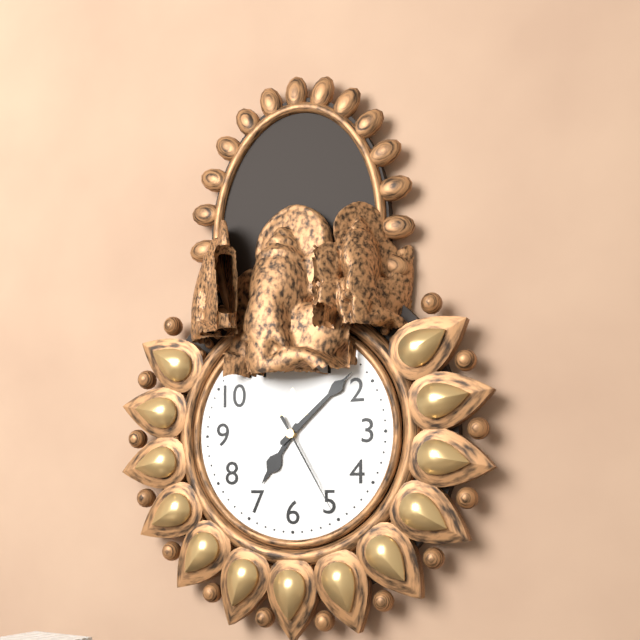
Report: 7.08.25
